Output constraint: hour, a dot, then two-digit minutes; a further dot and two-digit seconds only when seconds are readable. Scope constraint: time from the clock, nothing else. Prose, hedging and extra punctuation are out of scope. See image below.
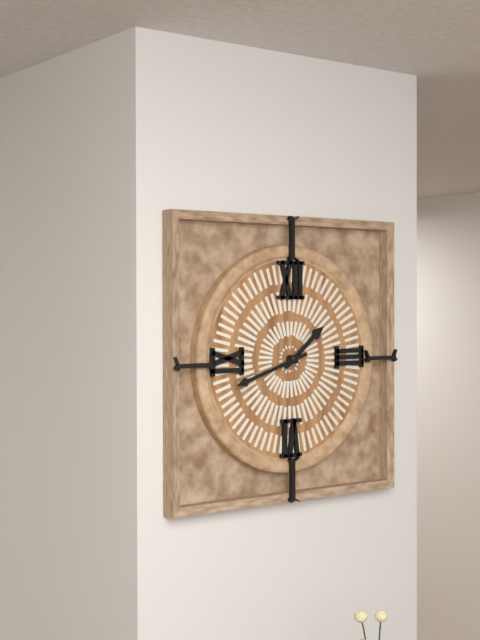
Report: 1.42
